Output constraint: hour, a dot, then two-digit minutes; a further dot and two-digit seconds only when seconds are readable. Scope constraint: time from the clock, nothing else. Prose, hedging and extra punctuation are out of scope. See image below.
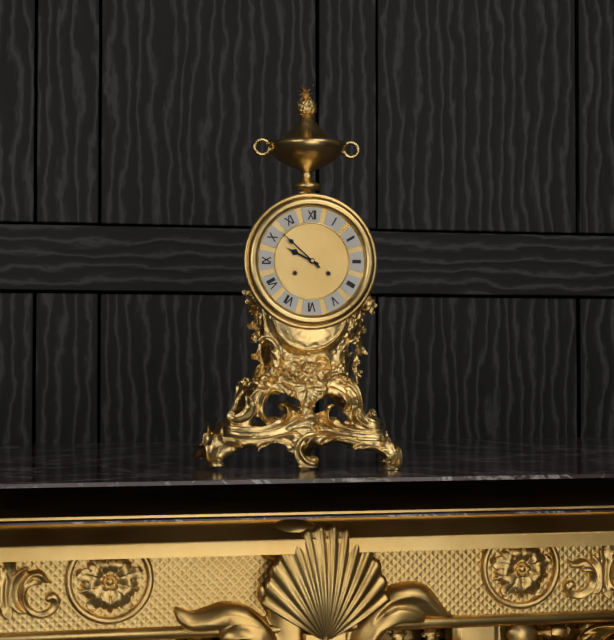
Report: 9.52
